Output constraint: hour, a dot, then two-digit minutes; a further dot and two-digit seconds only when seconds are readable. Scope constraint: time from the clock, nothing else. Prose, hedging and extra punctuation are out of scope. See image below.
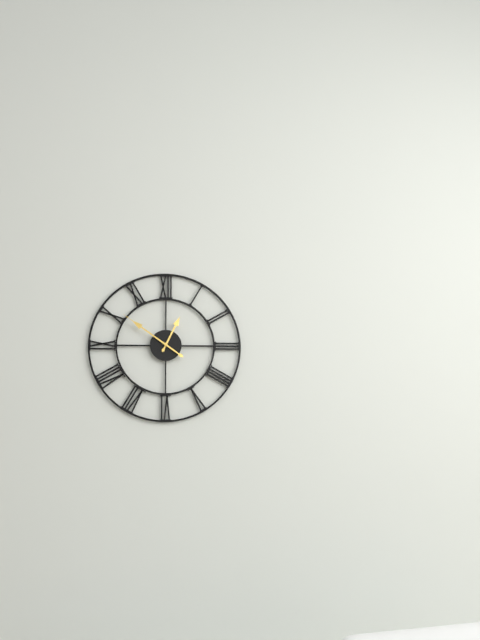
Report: 12.51
